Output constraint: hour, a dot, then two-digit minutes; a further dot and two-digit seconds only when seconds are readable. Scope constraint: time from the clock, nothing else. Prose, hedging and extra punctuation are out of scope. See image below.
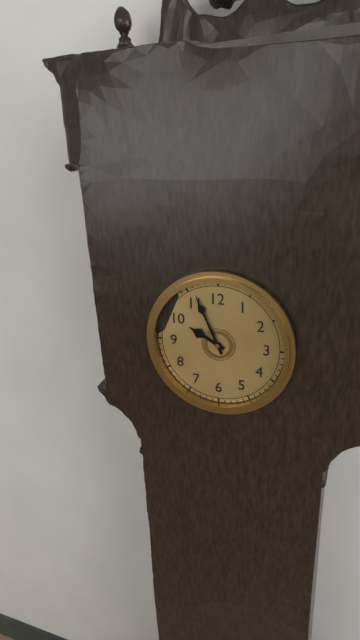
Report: 9.56
